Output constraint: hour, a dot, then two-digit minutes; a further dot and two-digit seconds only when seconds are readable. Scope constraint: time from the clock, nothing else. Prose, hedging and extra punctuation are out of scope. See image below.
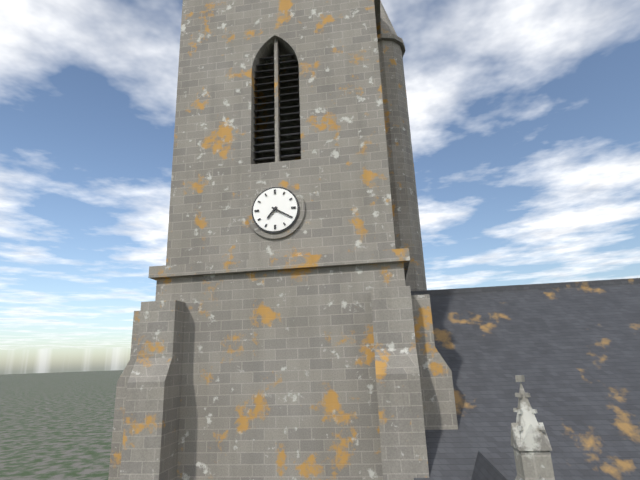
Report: 7.20
